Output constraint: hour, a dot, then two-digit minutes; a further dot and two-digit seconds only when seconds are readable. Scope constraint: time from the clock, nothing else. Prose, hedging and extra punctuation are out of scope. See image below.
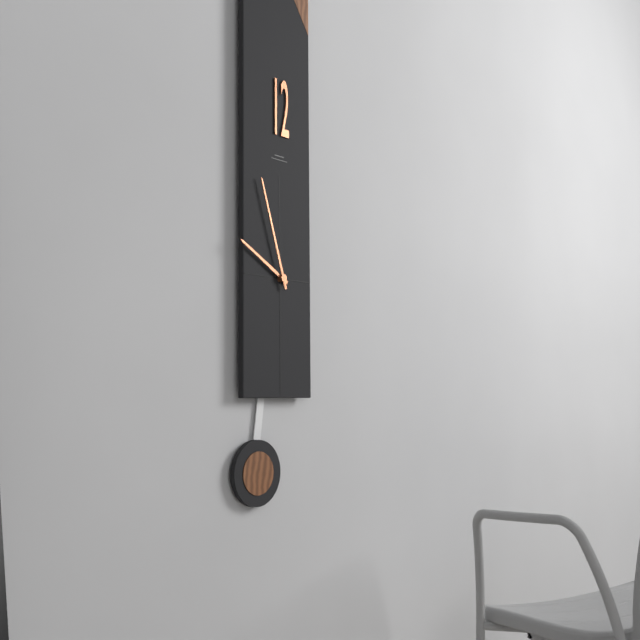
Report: 9.57
